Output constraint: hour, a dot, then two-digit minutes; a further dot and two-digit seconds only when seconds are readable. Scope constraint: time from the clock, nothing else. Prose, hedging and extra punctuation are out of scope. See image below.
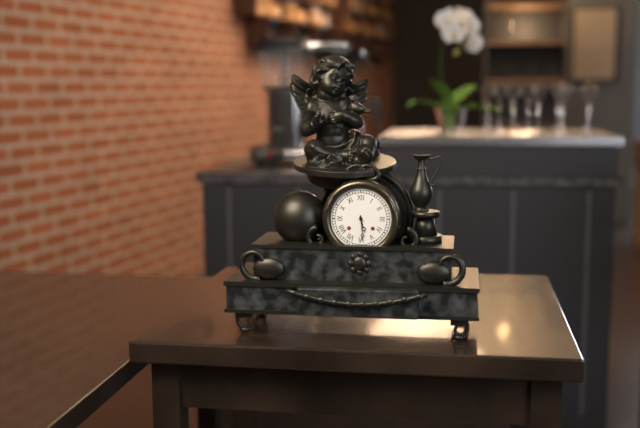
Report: 5.29
